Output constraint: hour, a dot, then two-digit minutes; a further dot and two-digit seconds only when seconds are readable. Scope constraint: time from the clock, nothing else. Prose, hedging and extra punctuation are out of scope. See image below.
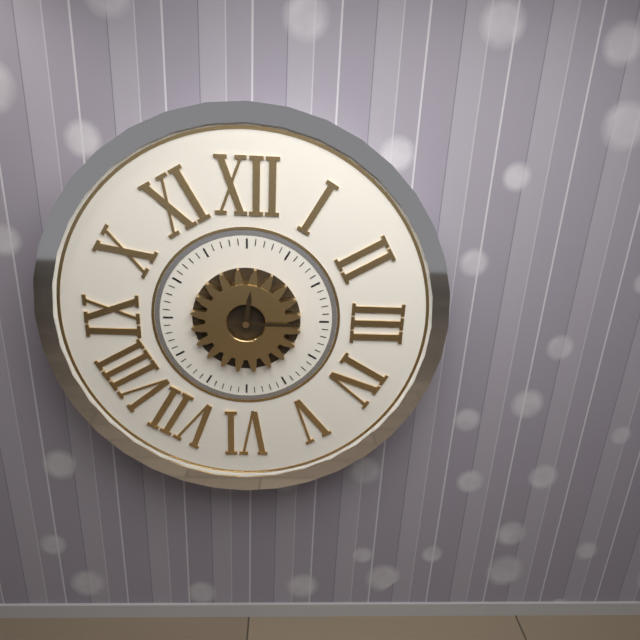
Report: 12.15
